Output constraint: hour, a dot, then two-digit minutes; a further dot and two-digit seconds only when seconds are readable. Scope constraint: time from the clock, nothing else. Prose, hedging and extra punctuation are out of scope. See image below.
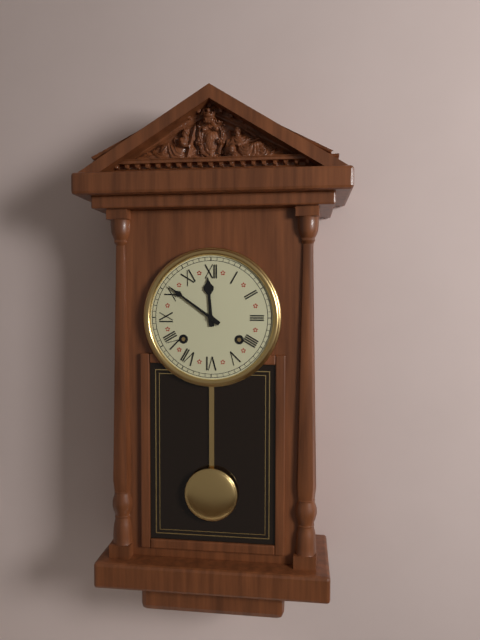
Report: 11.51
